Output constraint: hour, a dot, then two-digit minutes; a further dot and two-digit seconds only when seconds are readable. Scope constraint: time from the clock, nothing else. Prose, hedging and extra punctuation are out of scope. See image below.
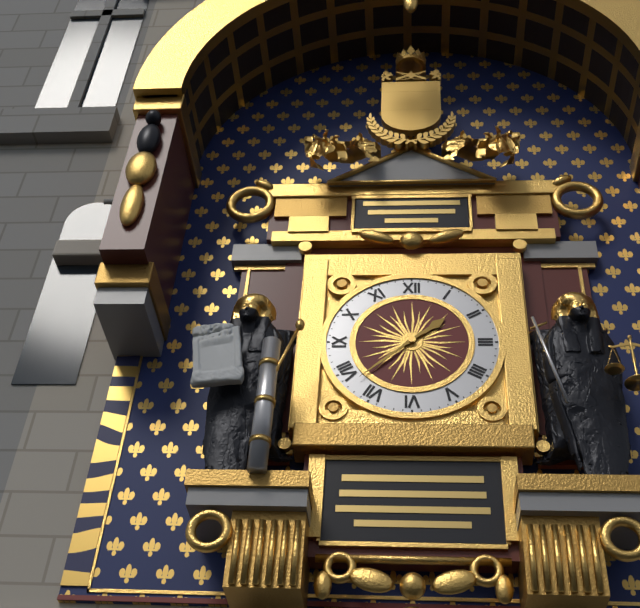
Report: 1.38
